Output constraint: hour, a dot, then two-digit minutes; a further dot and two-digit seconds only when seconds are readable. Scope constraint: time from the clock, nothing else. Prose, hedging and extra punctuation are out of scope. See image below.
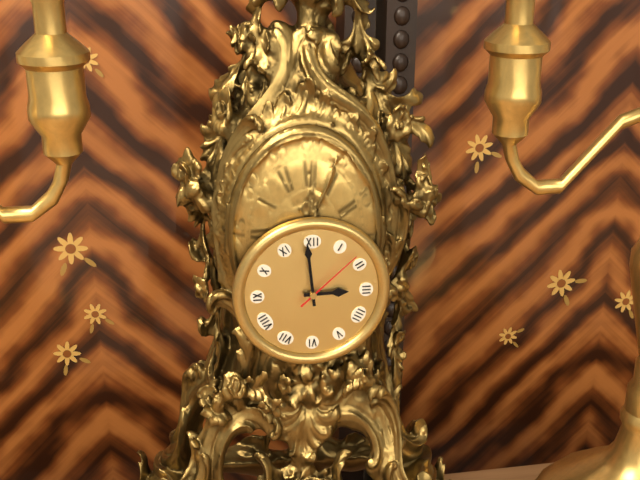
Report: 2.59.08
